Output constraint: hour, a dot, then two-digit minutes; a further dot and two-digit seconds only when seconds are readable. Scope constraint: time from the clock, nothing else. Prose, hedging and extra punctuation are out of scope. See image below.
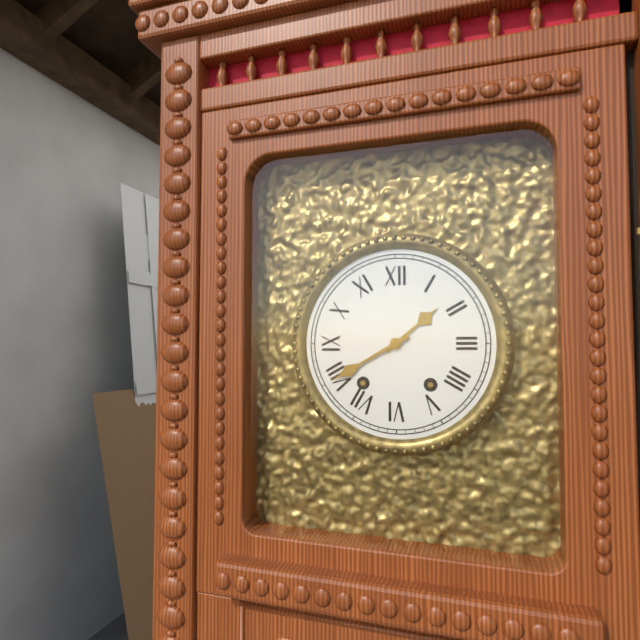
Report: 1.40
